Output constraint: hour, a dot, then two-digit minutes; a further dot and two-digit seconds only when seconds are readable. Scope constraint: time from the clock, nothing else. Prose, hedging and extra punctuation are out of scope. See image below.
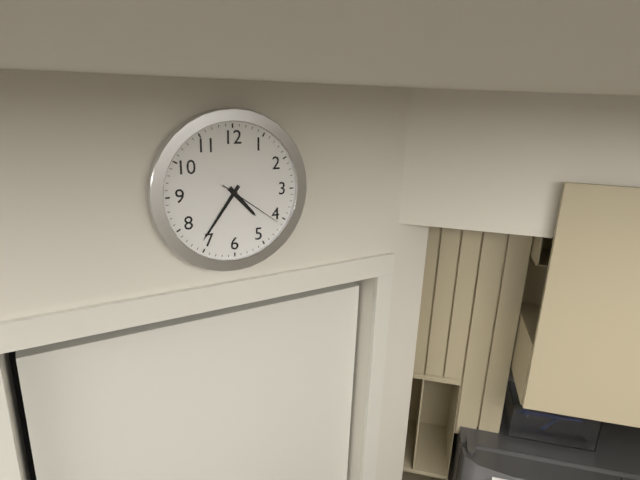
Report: 4.36.21
